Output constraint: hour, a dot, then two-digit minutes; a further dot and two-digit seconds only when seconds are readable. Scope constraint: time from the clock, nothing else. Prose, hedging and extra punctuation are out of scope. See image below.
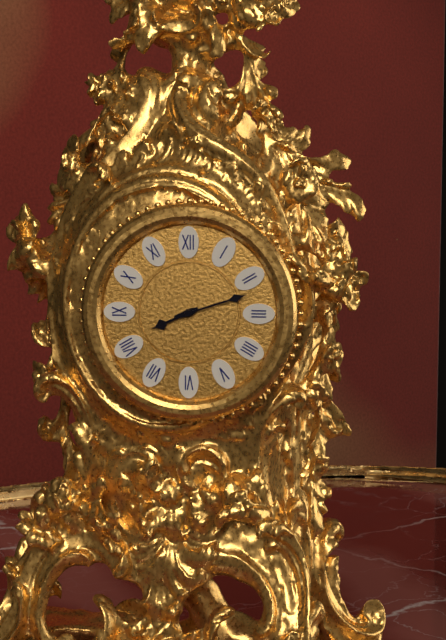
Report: 8.12
